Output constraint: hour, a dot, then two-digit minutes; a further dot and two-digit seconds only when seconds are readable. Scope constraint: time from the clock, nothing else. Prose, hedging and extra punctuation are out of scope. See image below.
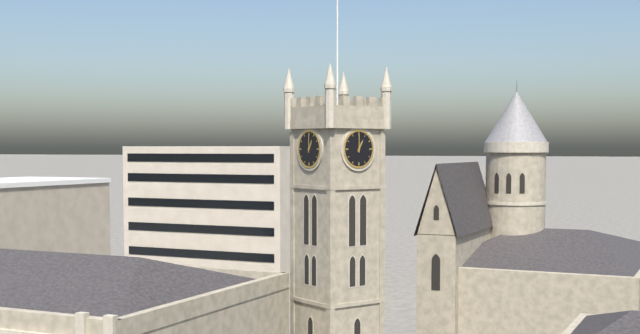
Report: 1.00
